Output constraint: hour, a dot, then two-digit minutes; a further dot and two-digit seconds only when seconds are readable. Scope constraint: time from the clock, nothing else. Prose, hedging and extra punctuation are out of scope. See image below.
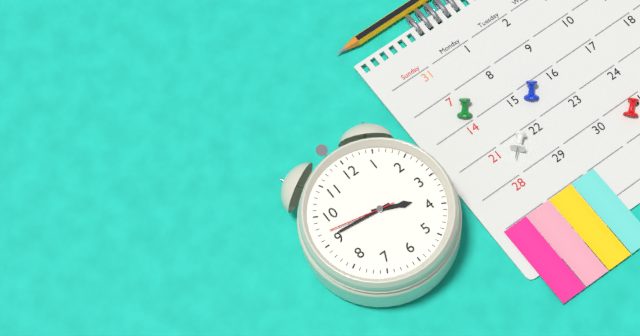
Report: 3.46.47
